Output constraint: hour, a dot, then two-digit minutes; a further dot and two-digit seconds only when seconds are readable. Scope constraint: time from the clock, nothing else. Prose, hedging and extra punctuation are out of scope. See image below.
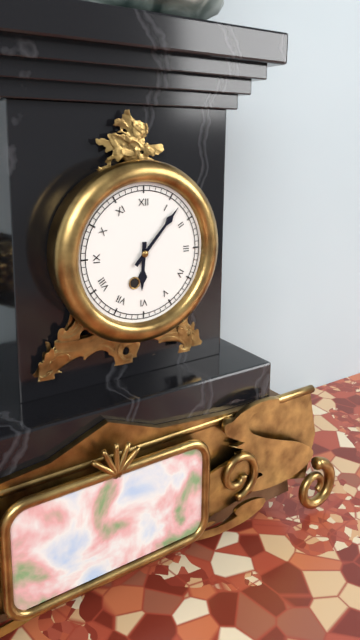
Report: 6.07
